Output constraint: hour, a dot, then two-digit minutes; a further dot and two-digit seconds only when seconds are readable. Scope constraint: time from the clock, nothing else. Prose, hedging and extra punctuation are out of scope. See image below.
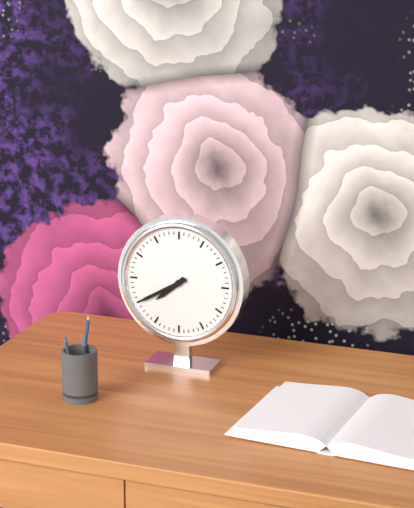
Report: 7.40
